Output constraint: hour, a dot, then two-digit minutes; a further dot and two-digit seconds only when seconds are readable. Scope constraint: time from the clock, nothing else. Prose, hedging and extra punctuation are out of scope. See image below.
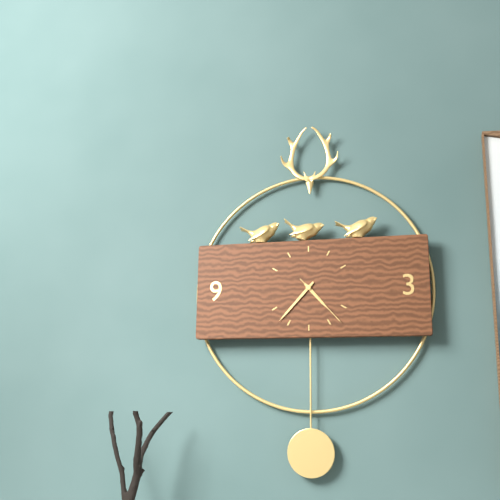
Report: 4.37.23
